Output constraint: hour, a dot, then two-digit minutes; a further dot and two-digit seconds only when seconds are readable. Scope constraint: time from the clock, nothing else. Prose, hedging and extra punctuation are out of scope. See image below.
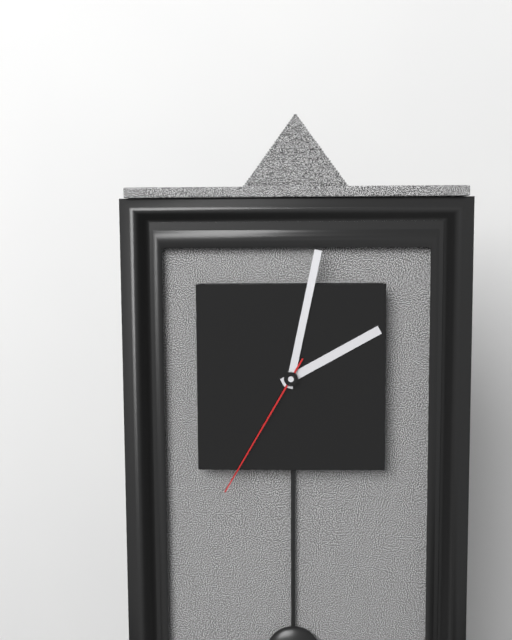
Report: 2.02.35
